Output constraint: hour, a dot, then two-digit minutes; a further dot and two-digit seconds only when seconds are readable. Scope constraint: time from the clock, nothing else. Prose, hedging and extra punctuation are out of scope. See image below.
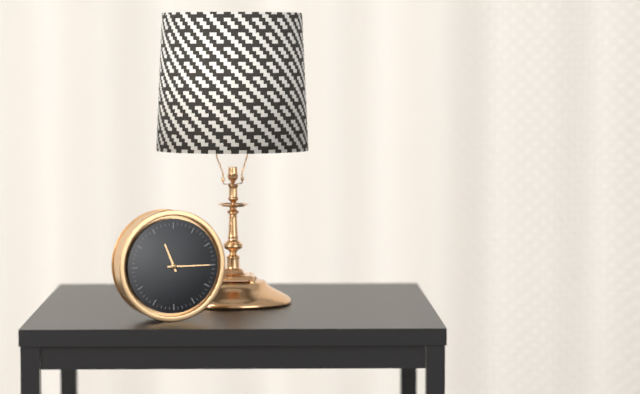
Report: 11.15
